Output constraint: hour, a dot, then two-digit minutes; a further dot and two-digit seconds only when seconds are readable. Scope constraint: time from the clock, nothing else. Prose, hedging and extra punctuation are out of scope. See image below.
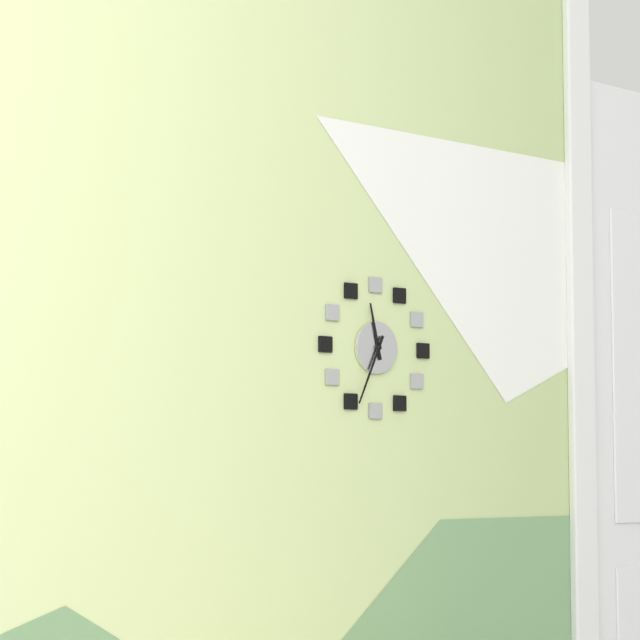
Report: 11.34
